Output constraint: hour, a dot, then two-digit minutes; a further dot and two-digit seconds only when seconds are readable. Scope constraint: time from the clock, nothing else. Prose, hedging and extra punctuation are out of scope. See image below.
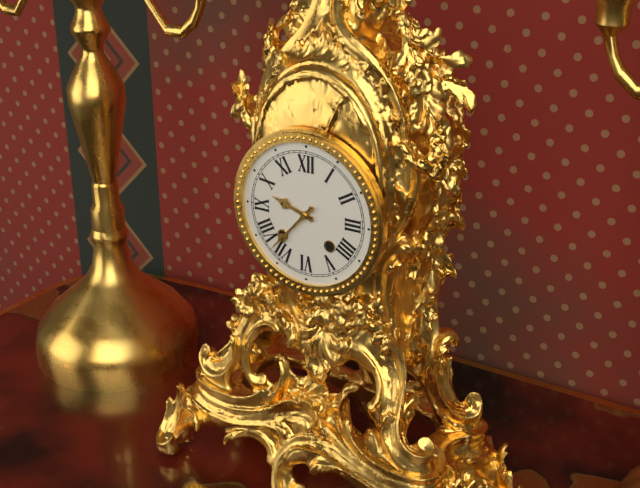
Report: 9.37
